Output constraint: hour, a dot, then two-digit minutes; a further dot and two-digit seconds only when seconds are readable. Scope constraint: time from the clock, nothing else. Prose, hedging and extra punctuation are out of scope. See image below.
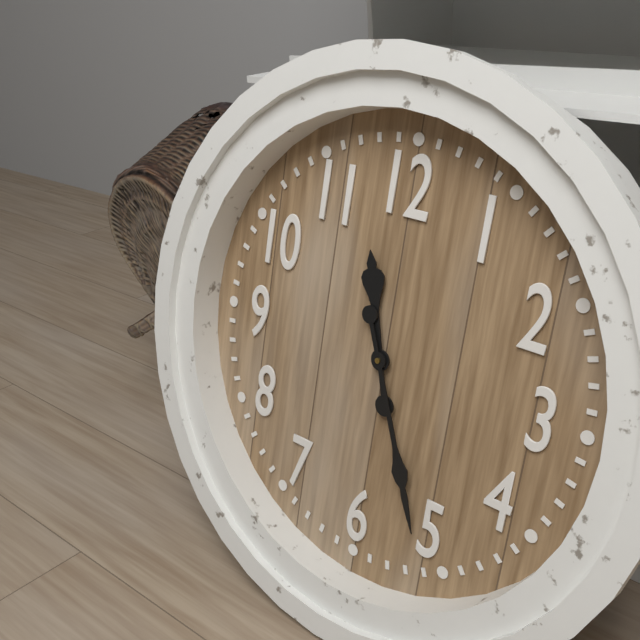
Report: 11.26
